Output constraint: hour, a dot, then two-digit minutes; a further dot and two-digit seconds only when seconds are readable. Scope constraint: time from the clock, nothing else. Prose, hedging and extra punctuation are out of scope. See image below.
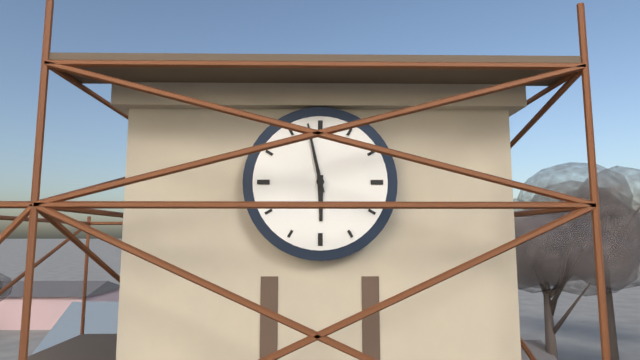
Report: 5.58
